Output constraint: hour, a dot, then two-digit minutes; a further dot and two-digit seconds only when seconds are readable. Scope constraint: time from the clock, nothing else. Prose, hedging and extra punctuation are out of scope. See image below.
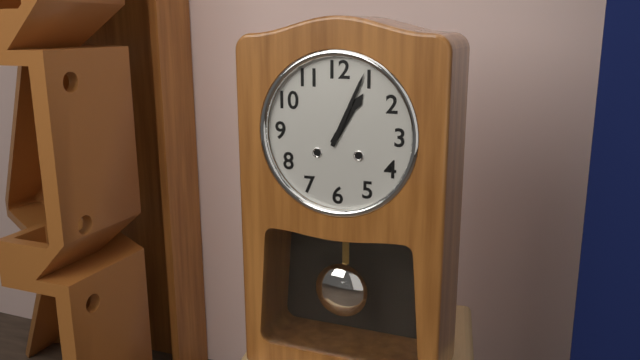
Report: 1.04
